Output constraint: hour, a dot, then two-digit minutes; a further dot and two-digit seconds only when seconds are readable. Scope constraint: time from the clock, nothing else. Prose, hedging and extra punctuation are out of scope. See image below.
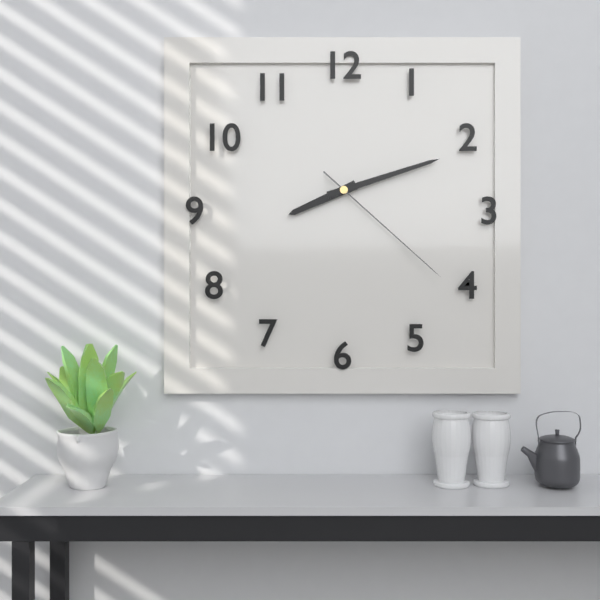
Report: 8.12.22
